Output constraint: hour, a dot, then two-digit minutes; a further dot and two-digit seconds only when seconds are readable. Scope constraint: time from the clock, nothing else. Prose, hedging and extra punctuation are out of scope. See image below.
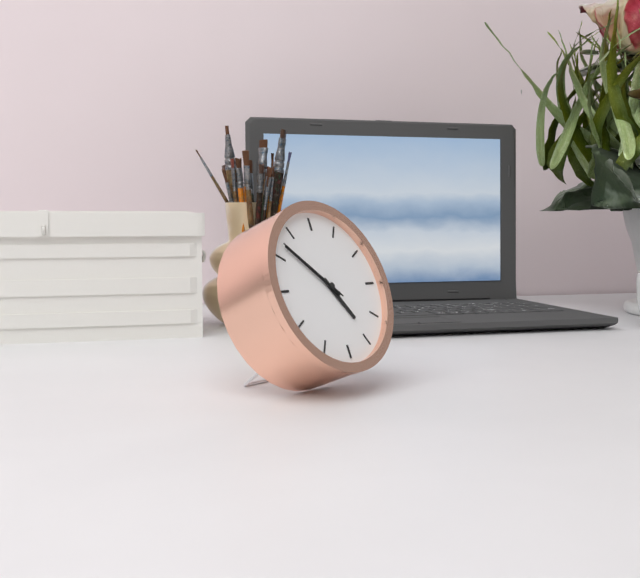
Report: 4.52.52
